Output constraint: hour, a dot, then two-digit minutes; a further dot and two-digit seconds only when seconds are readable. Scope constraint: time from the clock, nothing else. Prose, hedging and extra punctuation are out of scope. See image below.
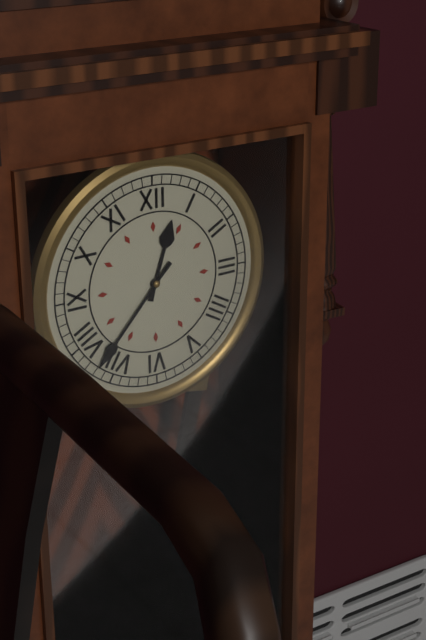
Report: 12.37
